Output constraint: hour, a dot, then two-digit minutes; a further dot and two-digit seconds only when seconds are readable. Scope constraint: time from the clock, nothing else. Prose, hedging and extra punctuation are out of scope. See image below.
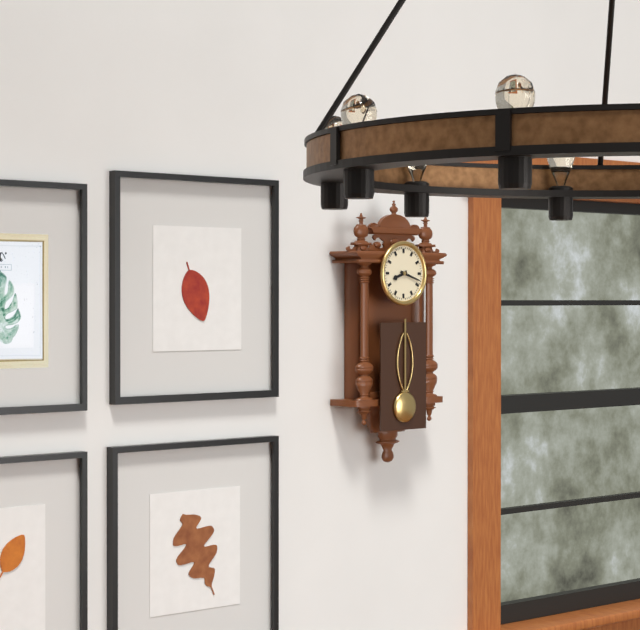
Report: 8.18
